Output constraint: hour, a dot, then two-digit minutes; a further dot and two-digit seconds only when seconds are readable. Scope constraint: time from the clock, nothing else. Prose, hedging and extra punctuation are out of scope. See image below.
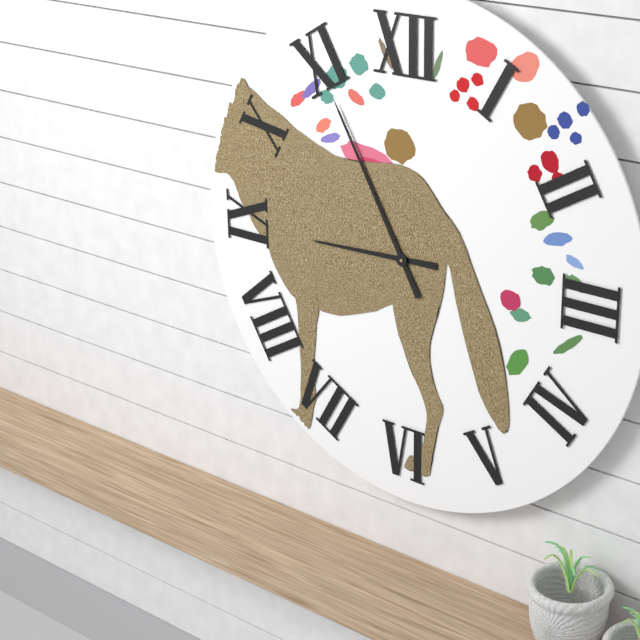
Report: 8.55
